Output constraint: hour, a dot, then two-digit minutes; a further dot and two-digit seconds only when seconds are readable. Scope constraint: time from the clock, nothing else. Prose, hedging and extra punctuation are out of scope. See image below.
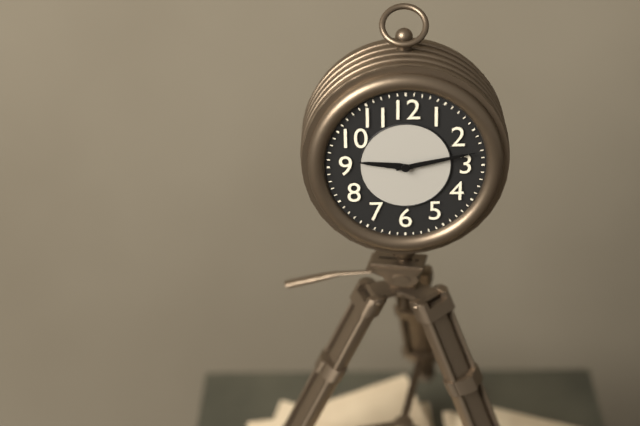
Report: 9.13
